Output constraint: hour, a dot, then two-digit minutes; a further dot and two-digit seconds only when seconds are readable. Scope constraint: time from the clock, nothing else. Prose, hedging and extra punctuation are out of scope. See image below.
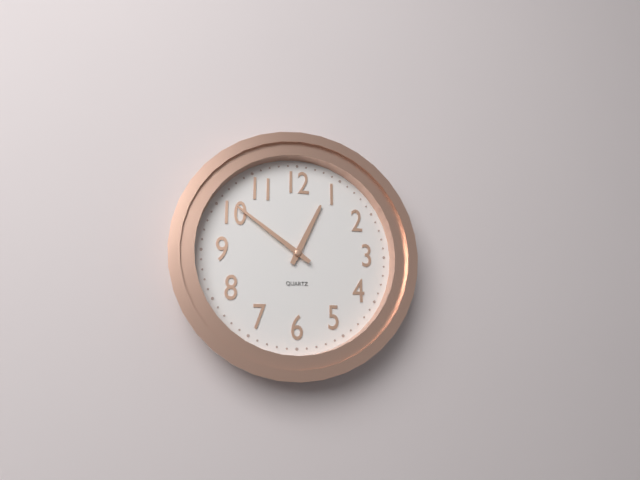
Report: 12.51
